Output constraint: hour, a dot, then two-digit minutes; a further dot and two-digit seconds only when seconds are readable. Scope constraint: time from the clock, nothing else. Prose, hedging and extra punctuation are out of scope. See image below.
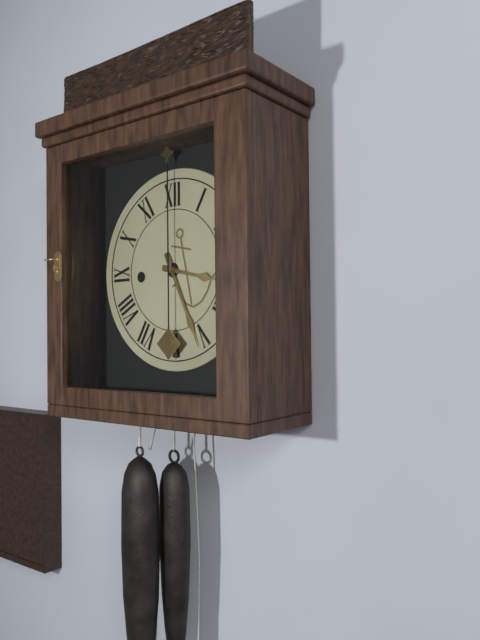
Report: 3.26
